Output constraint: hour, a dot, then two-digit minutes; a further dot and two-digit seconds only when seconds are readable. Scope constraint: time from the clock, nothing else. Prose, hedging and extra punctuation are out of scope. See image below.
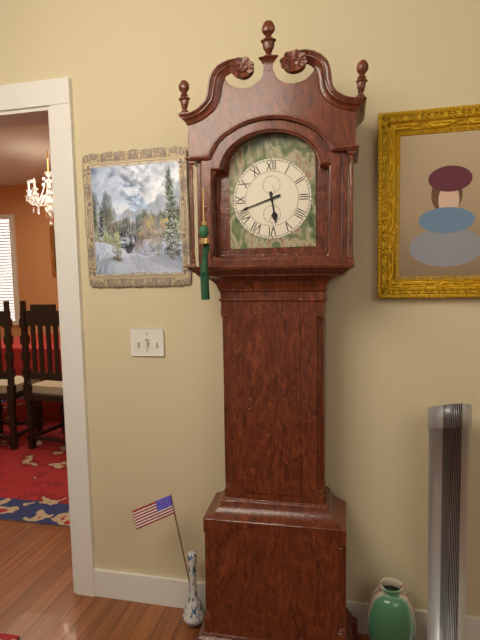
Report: 5.42
